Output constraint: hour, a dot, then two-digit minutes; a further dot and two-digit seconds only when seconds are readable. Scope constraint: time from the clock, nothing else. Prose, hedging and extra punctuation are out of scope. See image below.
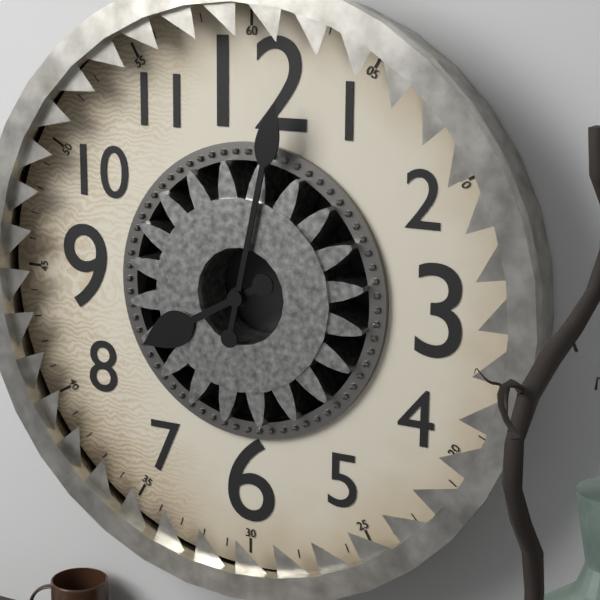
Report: 8.02
